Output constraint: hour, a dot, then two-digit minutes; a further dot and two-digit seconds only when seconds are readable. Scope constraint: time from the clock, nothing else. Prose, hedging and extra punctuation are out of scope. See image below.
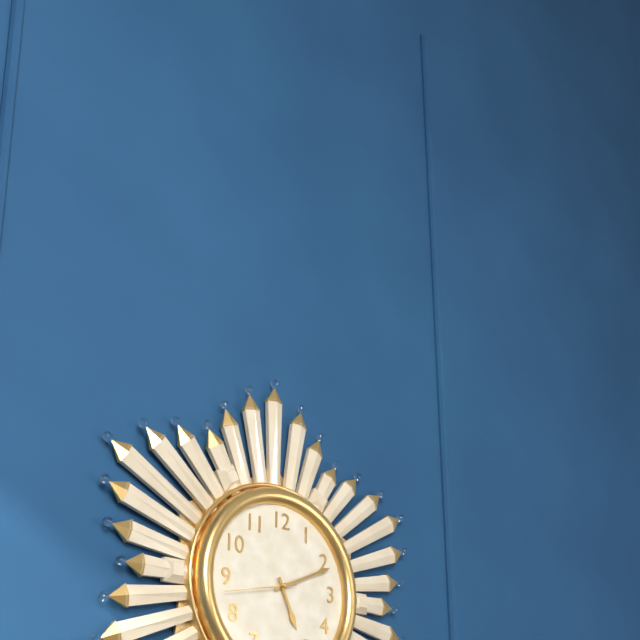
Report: 5.11.43
